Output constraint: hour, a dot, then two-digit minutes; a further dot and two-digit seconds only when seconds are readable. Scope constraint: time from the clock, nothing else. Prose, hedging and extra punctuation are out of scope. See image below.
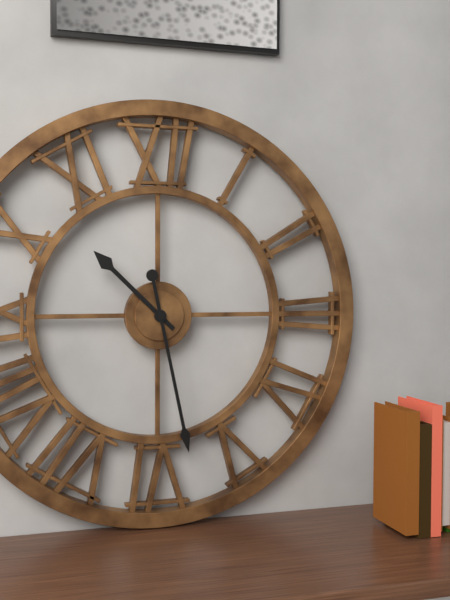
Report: 10.28
